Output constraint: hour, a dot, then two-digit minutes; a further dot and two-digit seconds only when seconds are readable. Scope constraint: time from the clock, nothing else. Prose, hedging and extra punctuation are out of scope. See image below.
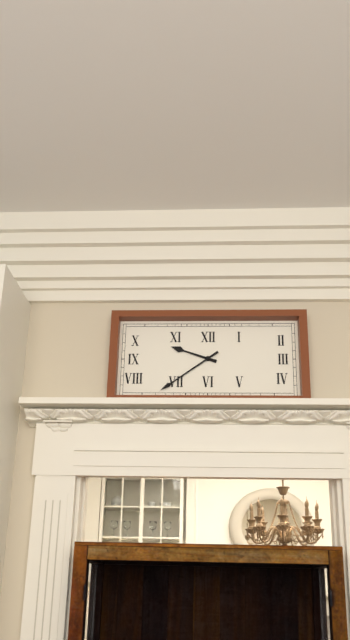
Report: 9.39
